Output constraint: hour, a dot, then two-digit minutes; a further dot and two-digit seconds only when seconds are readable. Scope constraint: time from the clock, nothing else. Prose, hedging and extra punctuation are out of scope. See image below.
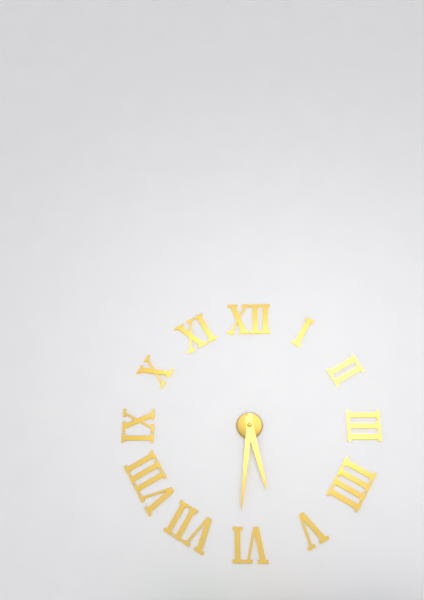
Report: 5.31
